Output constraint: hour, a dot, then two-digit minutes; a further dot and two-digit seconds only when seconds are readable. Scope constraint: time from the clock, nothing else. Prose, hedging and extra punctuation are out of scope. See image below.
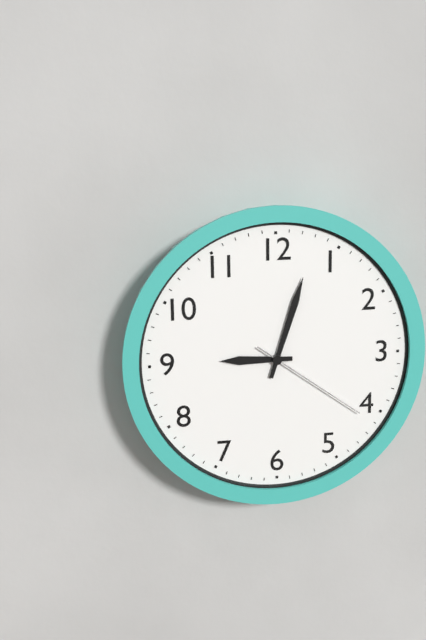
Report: 9.03.21
